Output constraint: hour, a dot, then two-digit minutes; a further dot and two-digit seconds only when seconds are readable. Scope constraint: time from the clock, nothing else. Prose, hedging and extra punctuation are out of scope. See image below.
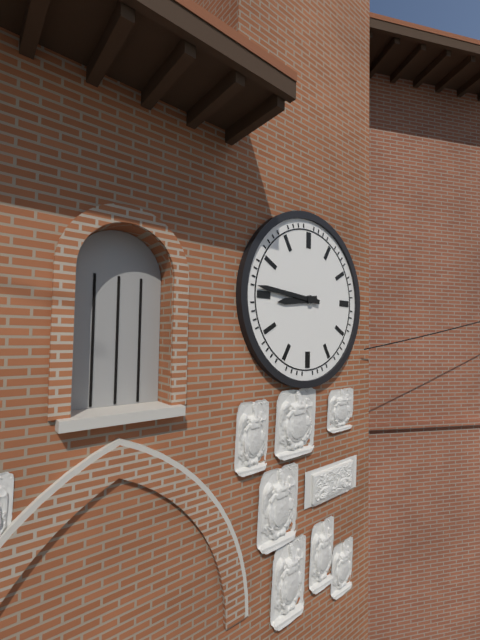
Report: 8.46
